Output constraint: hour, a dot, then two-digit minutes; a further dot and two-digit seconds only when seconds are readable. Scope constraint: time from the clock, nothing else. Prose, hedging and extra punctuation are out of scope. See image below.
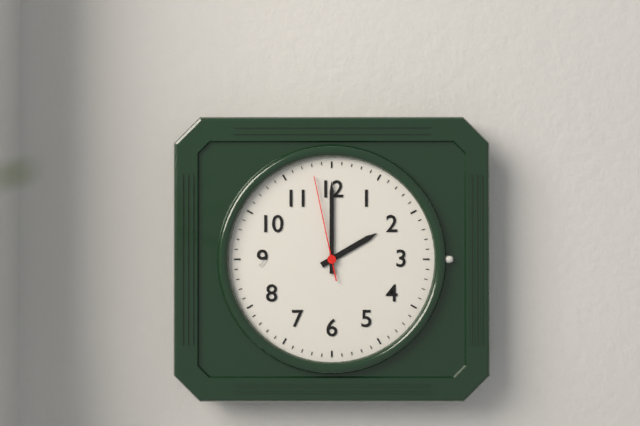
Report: 2.00.58
